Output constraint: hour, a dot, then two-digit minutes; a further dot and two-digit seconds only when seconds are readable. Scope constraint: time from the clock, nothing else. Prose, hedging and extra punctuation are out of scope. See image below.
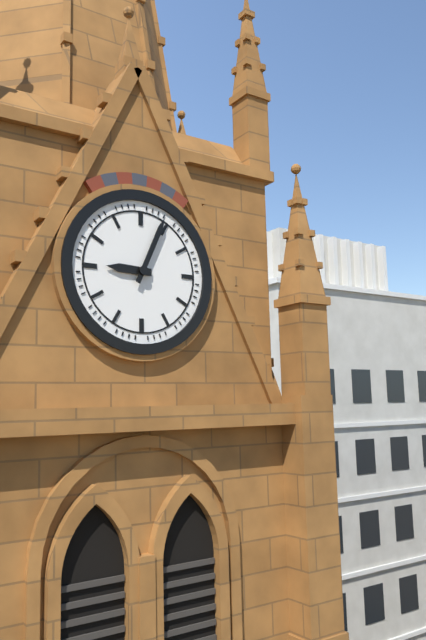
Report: 9.04
